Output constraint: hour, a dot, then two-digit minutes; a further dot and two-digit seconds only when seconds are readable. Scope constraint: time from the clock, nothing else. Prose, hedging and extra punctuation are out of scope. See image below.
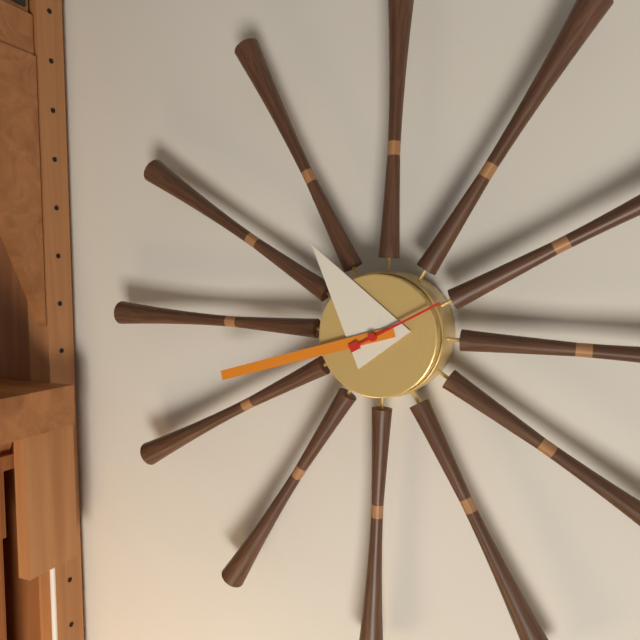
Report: 10.42.10
